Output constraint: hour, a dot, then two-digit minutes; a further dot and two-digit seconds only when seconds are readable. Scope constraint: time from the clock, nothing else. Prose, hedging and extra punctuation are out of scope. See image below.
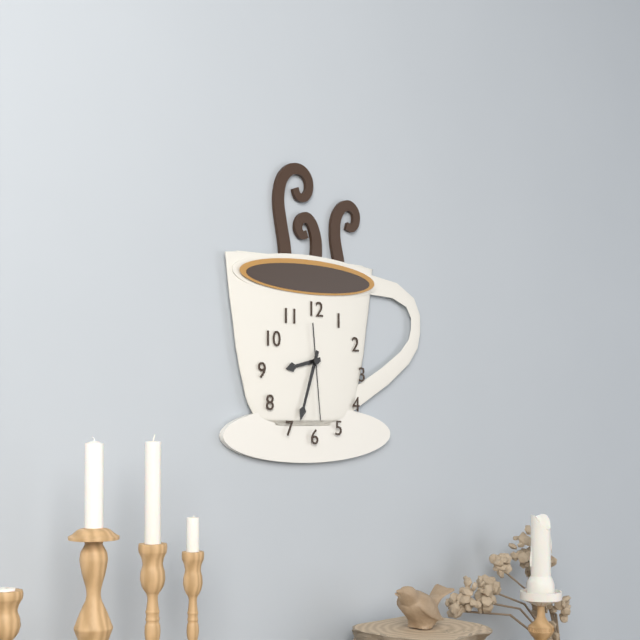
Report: 8.33.29
